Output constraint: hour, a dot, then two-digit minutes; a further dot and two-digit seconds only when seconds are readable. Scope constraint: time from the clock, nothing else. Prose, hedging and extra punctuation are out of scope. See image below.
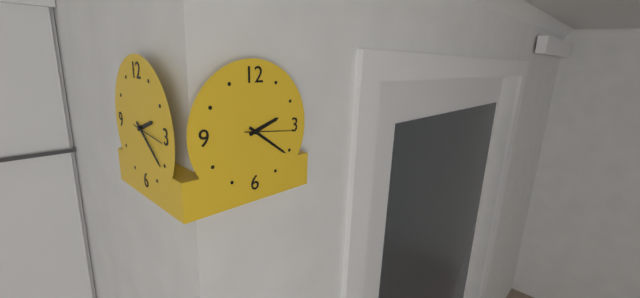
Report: 2.21
